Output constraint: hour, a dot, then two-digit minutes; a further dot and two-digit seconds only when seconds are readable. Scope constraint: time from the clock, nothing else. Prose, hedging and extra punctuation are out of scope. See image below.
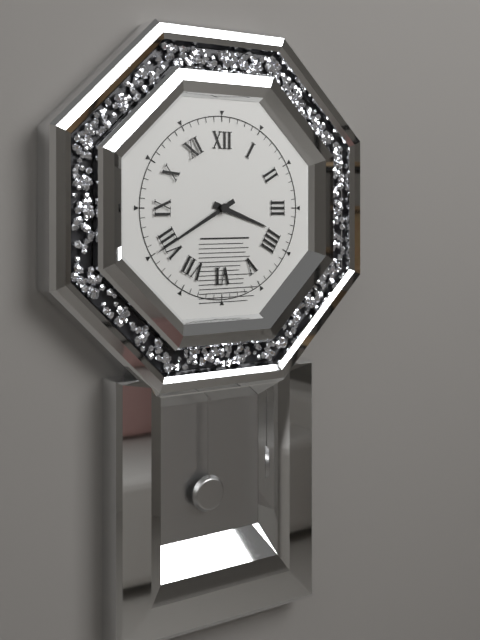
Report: 3.40
